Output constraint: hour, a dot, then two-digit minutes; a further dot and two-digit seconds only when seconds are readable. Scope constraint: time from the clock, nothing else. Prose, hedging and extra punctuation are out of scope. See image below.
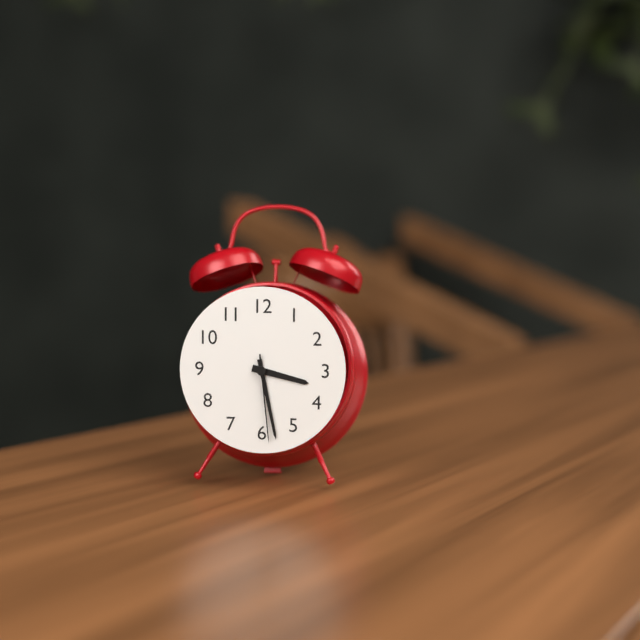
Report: 3.28.29
